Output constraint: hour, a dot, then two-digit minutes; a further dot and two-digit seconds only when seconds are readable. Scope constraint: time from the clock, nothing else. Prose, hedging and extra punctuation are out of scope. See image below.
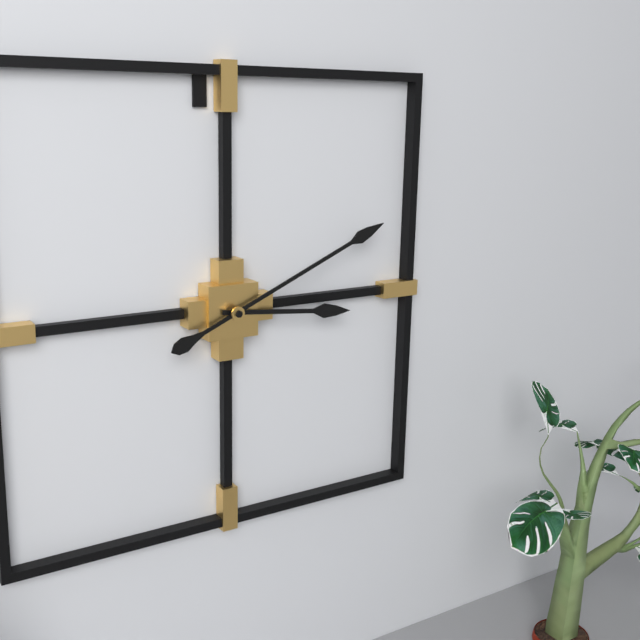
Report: 3.11
